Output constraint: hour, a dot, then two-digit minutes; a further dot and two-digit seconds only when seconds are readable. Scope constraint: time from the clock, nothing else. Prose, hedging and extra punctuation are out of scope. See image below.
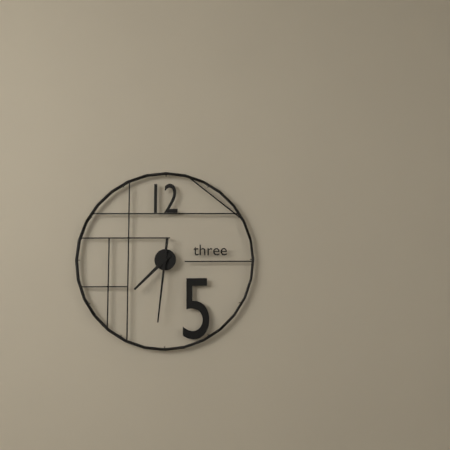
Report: 7.31
